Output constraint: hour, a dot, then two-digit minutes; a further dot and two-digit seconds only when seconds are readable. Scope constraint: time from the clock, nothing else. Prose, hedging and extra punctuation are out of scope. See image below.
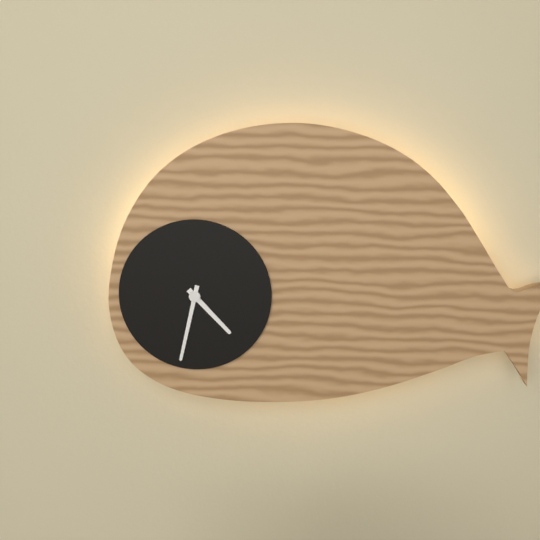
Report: 4.32
